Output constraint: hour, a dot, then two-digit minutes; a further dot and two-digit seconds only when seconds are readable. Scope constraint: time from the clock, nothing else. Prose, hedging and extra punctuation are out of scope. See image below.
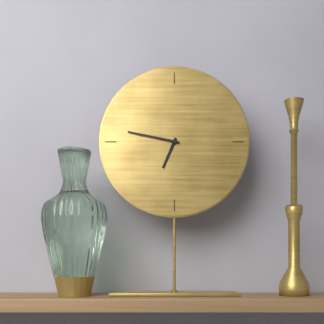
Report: 6.47
